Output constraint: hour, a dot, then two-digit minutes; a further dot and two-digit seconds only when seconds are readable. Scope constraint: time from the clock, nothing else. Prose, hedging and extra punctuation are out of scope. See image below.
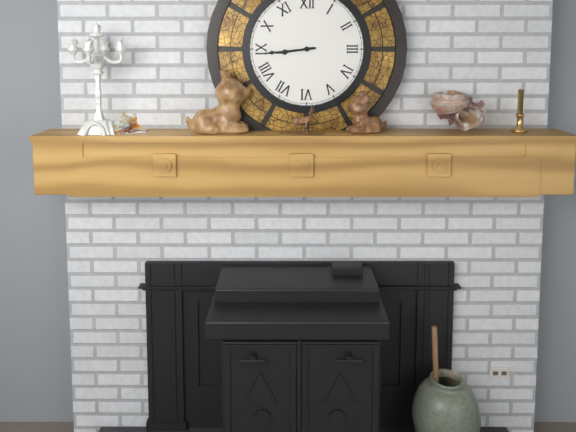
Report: 8.44
